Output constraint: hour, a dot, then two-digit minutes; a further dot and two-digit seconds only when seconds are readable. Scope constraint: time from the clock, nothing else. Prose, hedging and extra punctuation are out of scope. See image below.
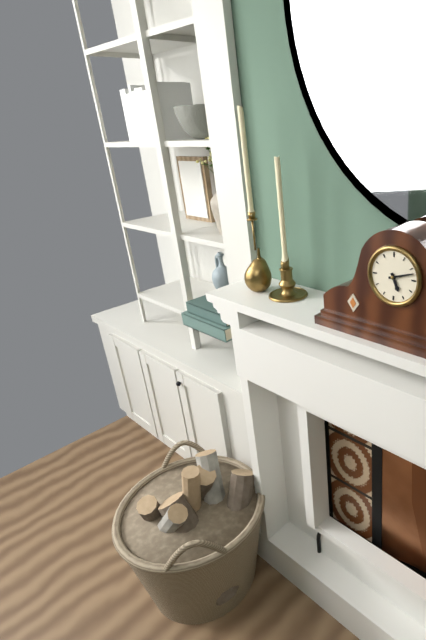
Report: 5.12
